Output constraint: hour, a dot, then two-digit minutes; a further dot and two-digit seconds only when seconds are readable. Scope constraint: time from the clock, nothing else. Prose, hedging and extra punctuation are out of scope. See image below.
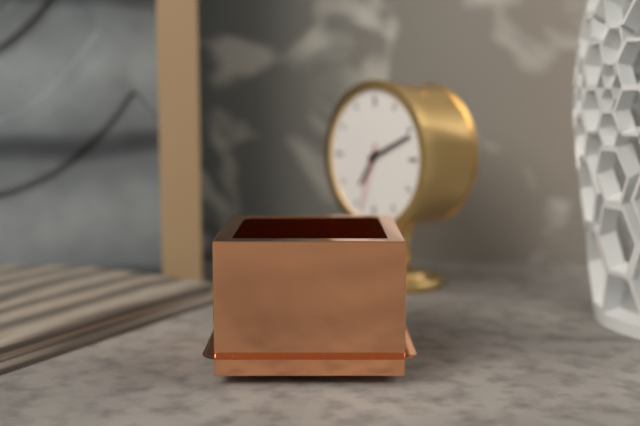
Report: 7.11.33
